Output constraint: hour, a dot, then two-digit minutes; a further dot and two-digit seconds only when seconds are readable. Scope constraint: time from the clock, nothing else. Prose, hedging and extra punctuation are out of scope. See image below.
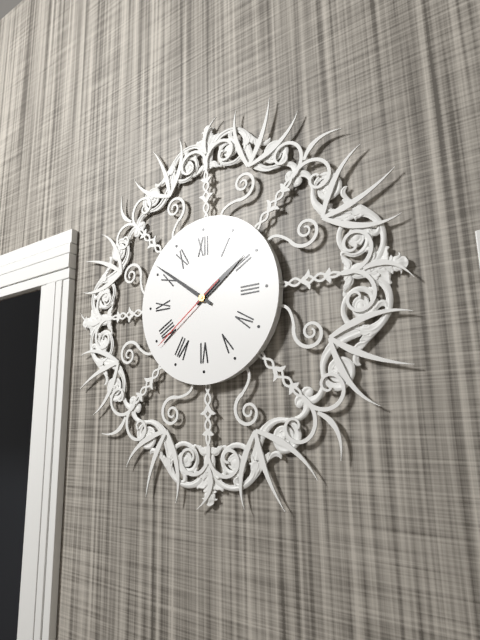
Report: 1.51.39
